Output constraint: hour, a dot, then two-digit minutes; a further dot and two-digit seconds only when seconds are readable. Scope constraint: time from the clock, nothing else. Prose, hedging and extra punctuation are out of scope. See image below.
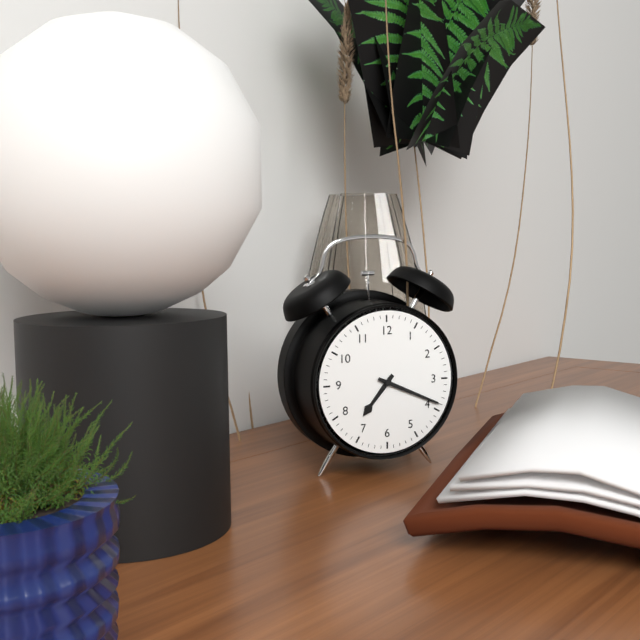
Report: 7.19
